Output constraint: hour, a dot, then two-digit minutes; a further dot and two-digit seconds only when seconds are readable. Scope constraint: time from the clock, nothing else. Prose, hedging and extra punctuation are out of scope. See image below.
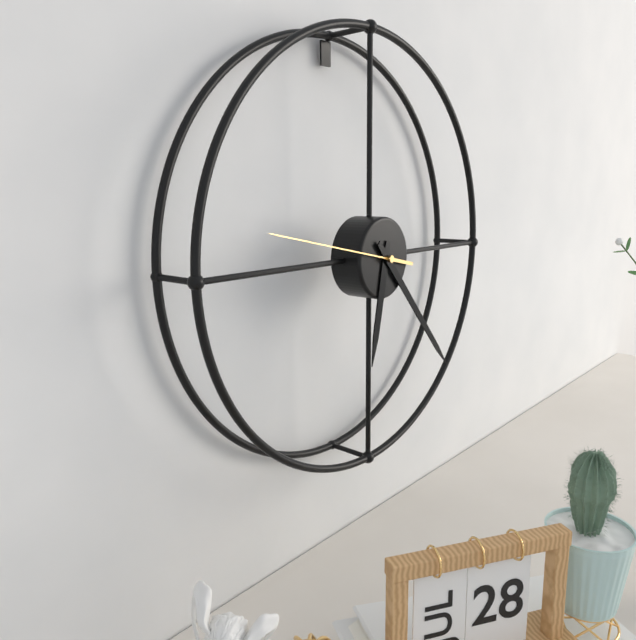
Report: 6.23.47
